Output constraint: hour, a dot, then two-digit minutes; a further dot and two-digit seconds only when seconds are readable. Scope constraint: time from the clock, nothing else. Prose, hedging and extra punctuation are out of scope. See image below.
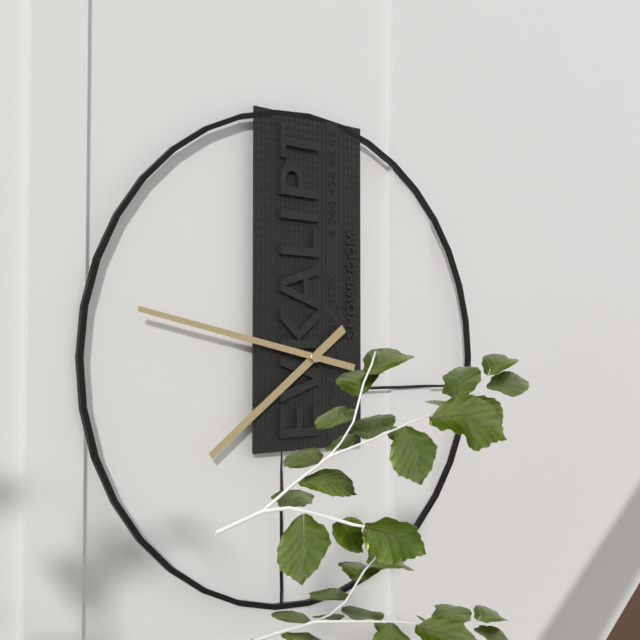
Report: 7.47
